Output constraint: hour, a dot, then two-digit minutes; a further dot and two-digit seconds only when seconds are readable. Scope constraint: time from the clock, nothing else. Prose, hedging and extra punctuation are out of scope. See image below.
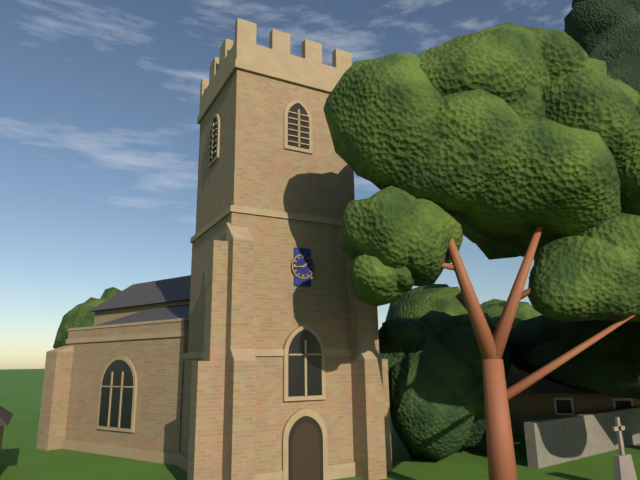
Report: 1.44
